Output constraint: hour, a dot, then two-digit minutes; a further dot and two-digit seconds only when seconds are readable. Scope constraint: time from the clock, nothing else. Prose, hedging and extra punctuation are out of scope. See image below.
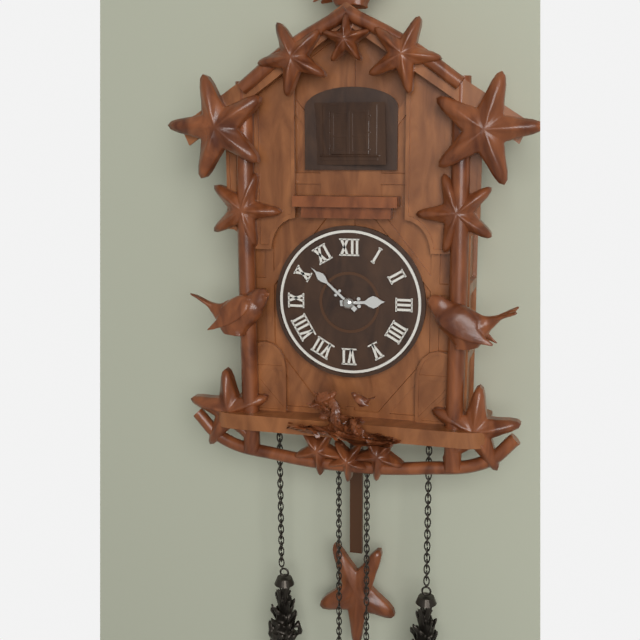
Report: 2.52
